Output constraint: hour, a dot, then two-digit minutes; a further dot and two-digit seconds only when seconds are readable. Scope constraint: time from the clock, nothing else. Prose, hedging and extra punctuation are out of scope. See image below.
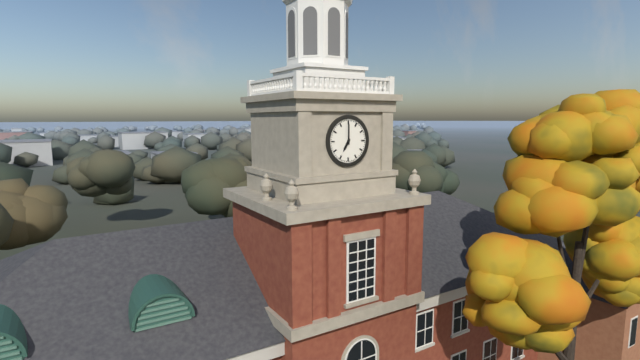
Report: 7.00
